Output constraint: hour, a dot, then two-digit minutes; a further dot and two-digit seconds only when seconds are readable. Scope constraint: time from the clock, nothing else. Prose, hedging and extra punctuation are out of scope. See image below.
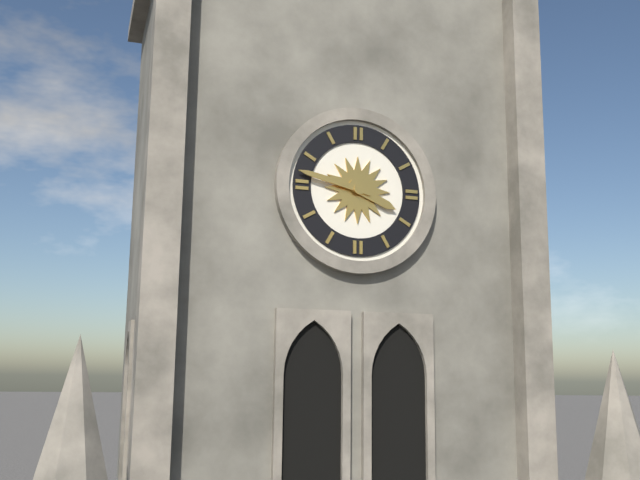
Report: 3.47
